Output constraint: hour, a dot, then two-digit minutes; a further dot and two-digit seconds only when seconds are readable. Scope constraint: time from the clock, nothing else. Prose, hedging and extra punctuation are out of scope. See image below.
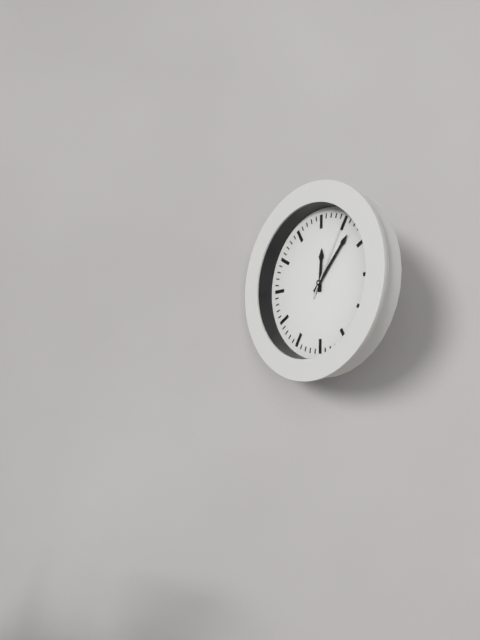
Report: 12.07.05
